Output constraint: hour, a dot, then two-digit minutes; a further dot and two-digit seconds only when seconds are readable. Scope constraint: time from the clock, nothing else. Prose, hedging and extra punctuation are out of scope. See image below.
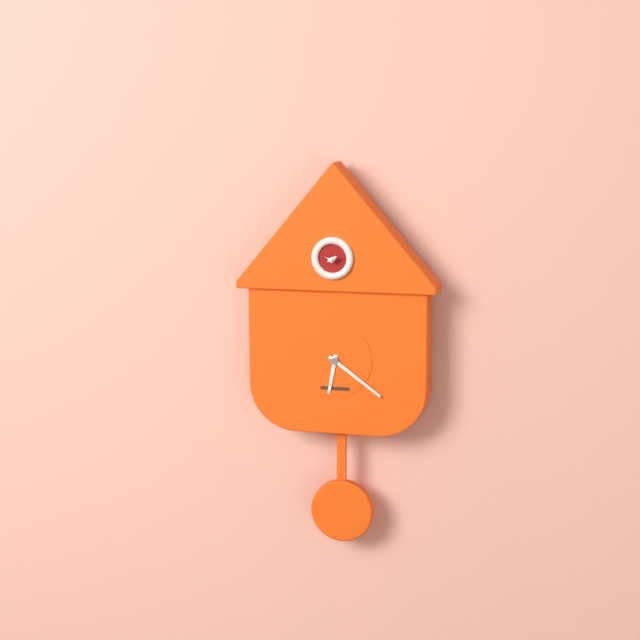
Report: 6.21
